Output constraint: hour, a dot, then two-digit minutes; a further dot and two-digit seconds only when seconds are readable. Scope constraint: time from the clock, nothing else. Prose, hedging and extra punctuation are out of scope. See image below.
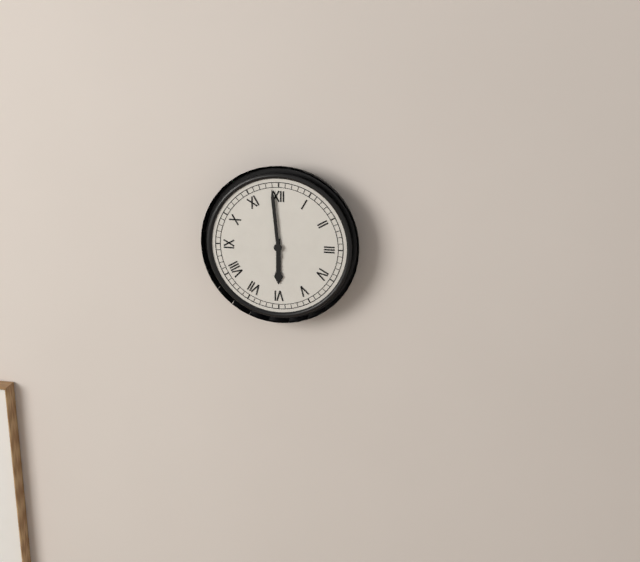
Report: 5.59
